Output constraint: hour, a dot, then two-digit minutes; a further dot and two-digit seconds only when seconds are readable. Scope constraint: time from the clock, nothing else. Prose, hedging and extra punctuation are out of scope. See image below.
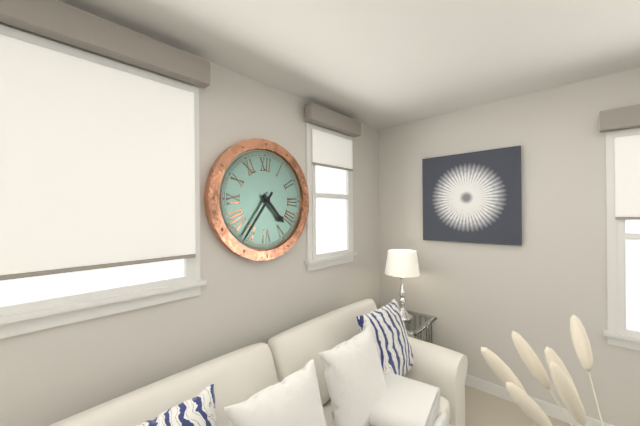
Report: 4.36
